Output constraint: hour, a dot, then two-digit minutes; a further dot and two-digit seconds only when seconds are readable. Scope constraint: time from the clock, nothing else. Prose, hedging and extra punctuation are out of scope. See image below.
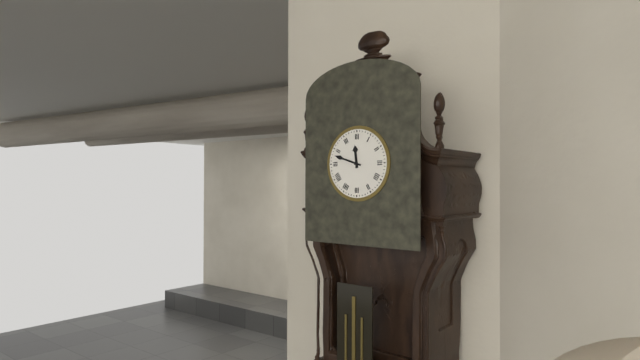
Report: 11.48
